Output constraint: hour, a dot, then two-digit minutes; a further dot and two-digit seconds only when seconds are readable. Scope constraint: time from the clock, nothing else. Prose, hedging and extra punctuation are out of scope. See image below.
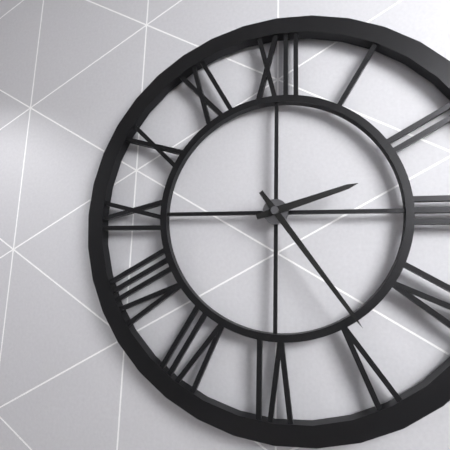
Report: 2.24
